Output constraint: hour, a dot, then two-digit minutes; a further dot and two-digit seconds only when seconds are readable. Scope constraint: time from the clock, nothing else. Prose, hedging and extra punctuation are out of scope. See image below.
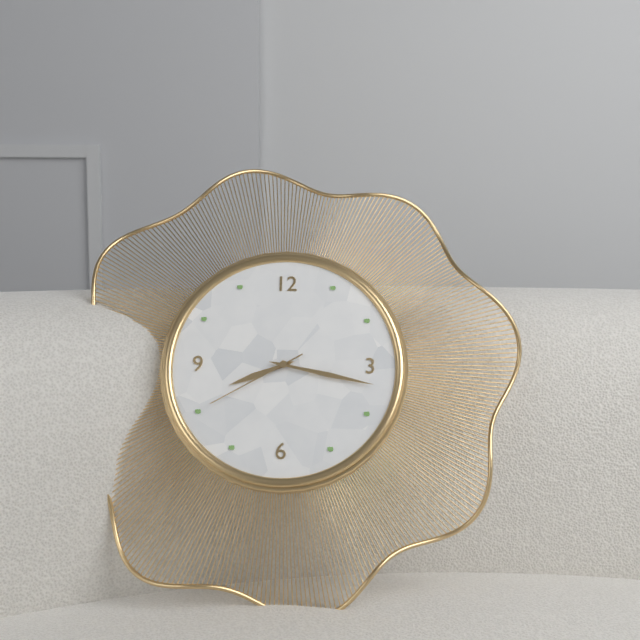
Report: 8.17.40
